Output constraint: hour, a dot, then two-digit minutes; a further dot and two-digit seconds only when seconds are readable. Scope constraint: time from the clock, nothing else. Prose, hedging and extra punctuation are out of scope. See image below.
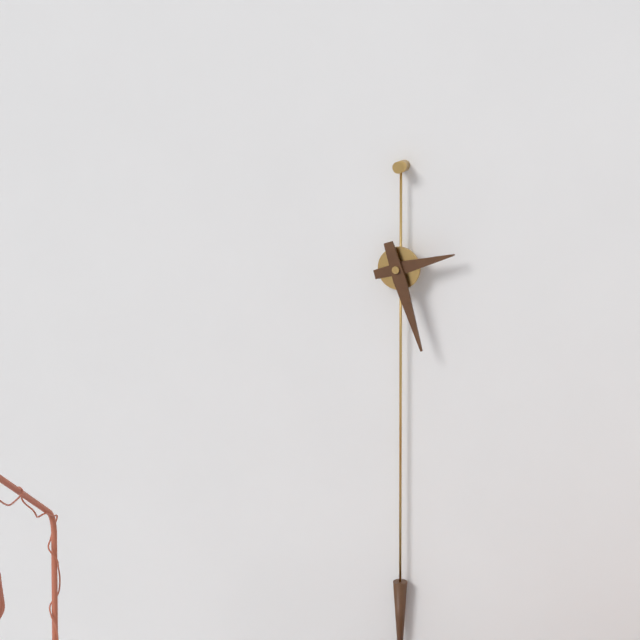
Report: 2.27
